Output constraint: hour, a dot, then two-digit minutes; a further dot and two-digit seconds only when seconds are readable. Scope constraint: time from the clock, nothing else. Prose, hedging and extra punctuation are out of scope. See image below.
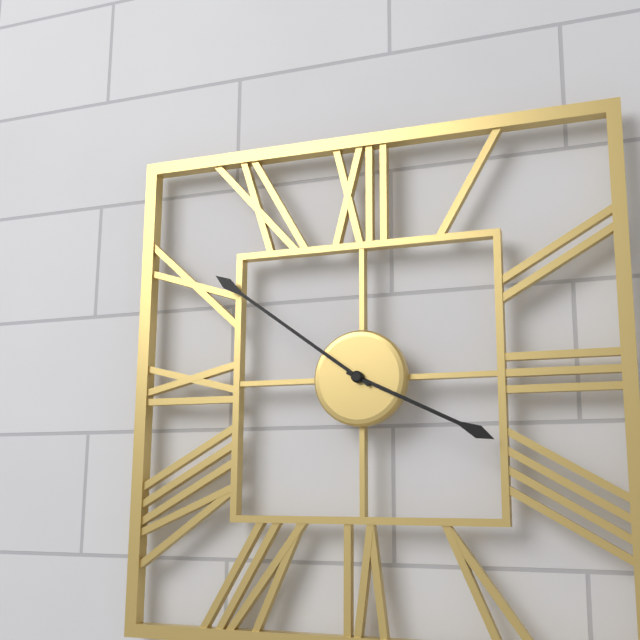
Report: 3.51
